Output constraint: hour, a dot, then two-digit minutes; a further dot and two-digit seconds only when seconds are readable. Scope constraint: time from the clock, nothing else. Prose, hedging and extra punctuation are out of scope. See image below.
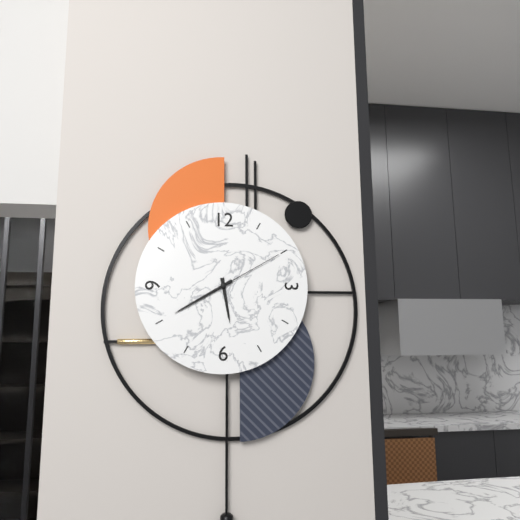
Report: 5.40.10
